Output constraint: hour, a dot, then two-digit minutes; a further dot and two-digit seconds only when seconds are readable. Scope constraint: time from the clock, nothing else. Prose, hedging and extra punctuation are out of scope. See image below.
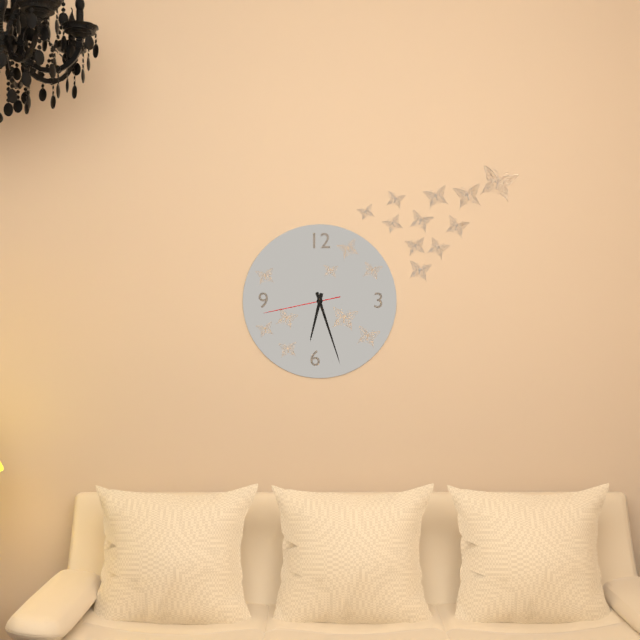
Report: 6.27.43
